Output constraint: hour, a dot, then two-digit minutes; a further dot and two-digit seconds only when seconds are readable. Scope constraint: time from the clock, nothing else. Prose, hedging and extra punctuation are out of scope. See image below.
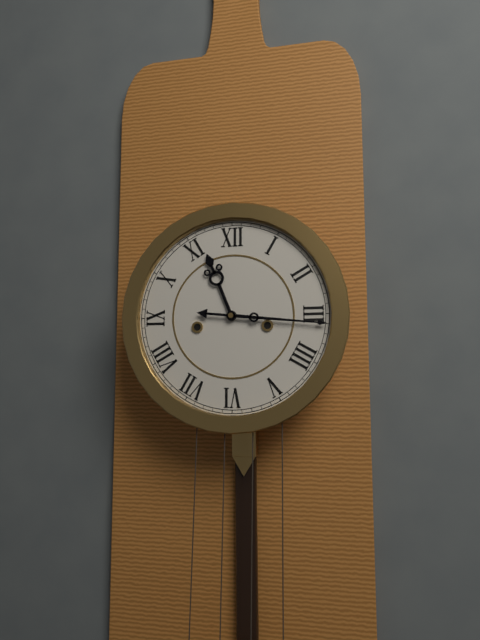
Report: 11.16
